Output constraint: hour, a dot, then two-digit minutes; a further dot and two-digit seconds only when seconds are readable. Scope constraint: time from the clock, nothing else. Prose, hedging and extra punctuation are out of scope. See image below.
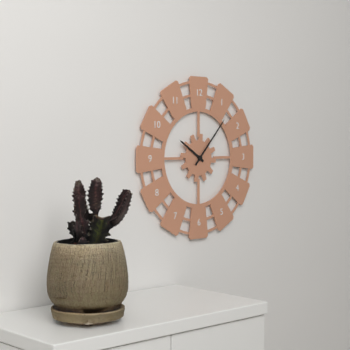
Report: 10.07
